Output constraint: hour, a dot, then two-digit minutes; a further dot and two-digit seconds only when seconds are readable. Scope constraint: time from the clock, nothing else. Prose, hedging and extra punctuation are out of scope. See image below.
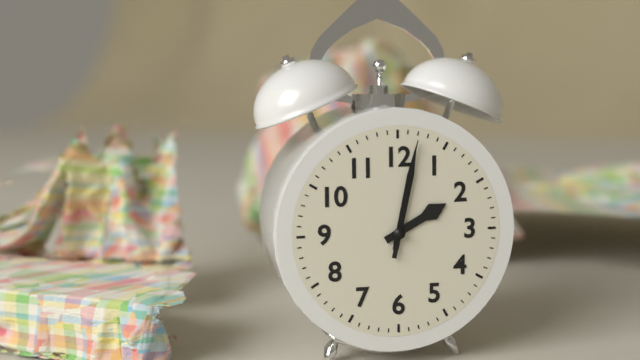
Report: 2.02.02
